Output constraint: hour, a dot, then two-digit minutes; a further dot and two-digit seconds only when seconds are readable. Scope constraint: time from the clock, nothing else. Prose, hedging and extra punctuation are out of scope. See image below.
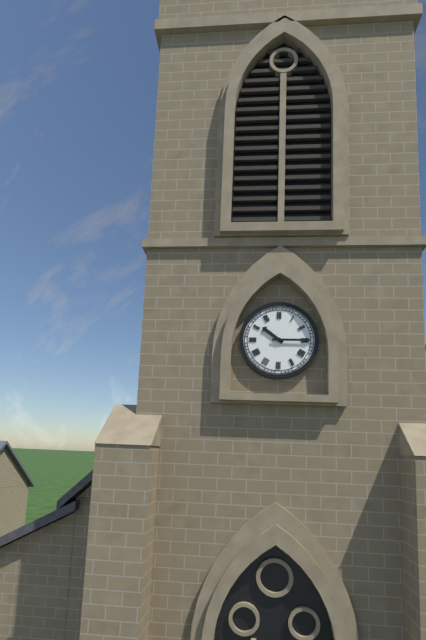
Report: 10.15
